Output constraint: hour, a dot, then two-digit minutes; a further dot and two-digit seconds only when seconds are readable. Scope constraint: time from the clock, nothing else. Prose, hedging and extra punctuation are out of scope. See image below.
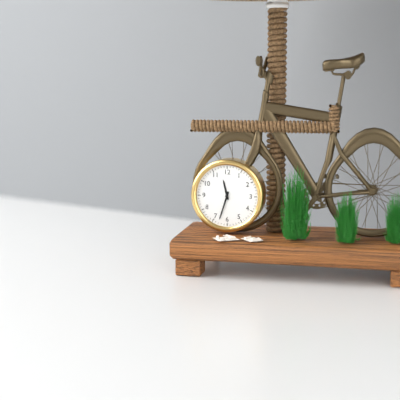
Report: 11.33
